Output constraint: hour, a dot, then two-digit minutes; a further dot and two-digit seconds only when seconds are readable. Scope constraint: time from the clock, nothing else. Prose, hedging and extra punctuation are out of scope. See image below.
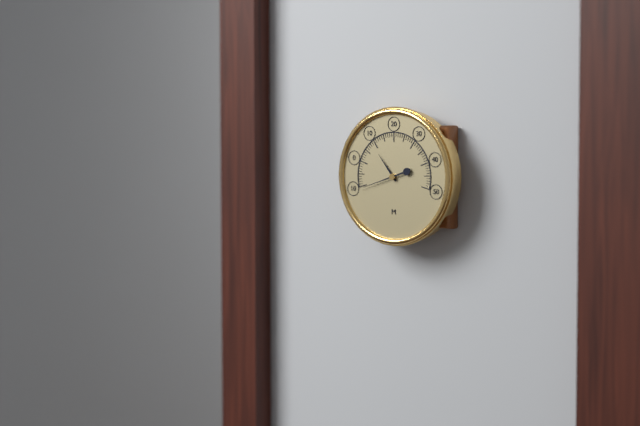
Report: 10.42
